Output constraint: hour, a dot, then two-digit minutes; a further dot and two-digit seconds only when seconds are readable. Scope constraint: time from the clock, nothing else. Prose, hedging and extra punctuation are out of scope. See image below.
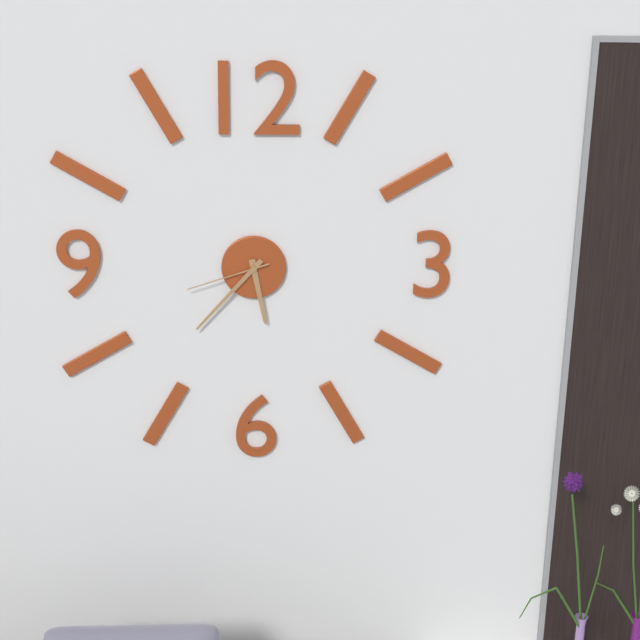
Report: 5.37.42
